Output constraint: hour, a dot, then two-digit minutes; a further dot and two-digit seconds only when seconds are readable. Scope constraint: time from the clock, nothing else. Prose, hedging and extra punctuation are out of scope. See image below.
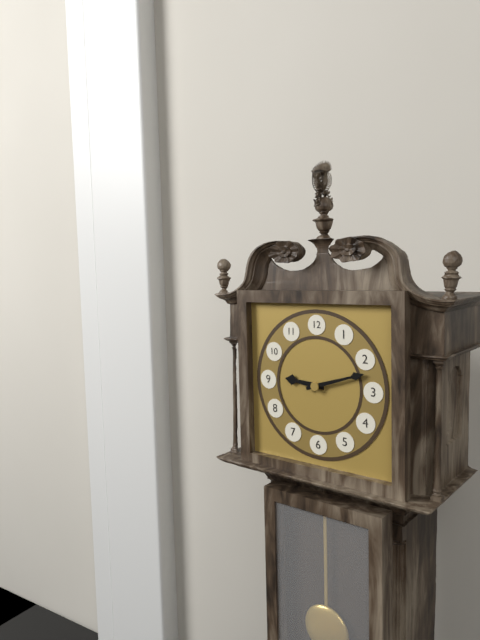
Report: 9.12
